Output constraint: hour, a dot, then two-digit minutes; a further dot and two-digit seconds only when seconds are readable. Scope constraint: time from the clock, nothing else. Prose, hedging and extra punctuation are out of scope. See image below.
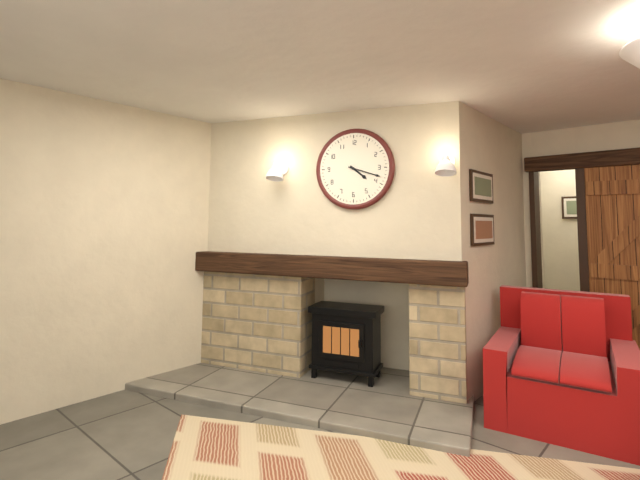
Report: 4.18
